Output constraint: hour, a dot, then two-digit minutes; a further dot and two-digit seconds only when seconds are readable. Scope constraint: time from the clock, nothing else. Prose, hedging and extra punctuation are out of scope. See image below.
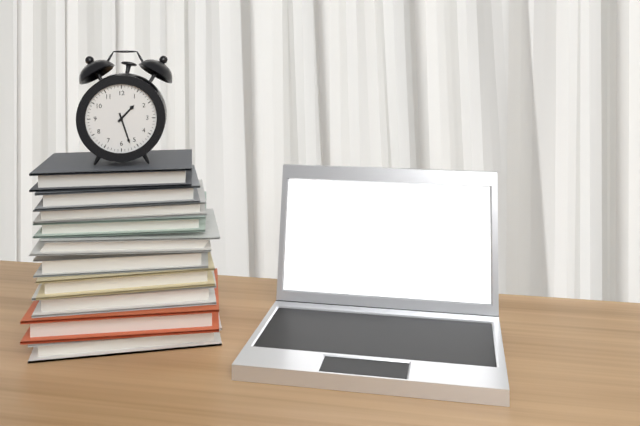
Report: 1.27
